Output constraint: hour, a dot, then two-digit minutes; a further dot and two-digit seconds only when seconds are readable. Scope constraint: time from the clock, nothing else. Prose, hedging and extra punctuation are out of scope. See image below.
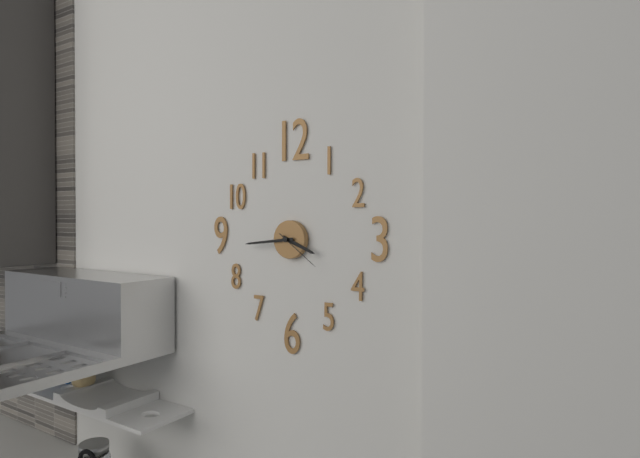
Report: 3.44.21
